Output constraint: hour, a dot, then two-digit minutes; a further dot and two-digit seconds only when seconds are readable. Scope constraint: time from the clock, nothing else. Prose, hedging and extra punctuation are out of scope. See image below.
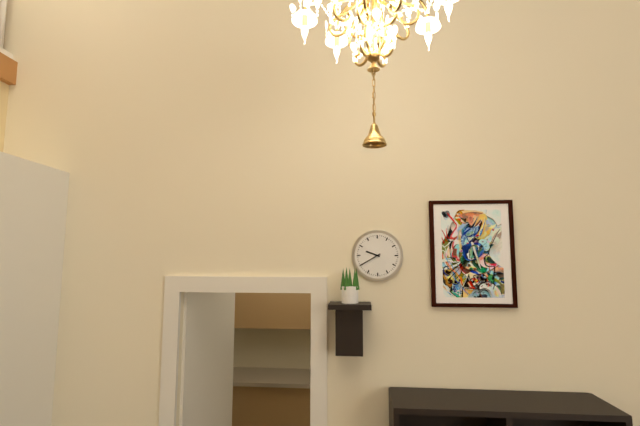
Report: 9.40
